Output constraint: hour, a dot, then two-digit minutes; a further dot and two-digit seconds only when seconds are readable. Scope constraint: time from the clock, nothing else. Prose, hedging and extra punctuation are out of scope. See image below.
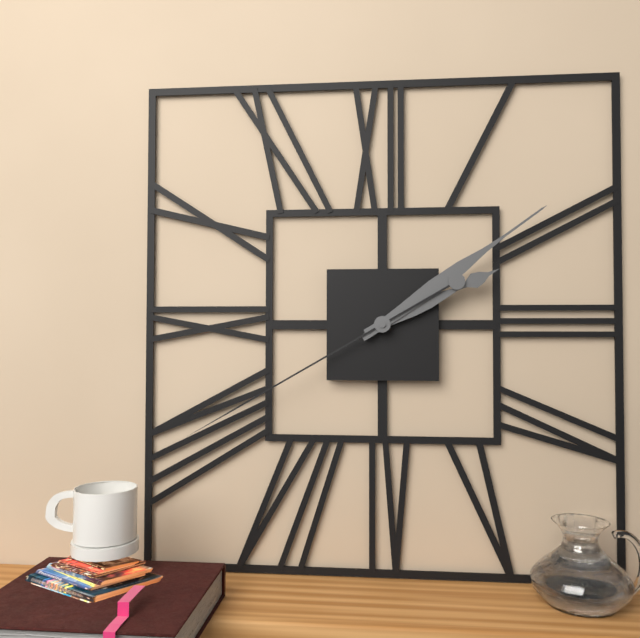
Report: 2.09.40
